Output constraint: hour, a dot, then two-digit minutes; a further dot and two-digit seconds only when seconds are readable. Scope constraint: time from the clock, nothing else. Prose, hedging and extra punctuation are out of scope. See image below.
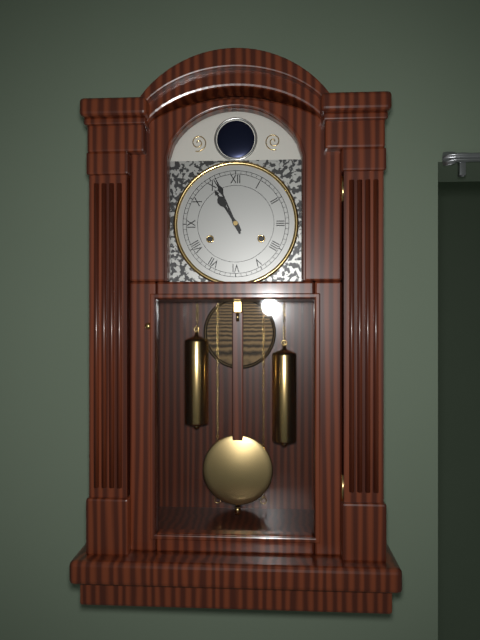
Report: 10.56
